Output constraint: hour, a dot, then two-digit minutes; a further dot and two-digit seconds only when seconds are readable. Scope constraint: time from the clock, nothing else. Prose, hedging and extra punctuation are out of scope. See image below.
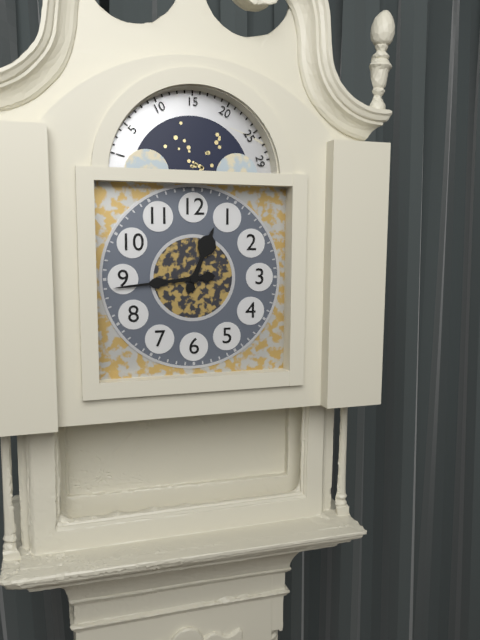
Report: 12.44
